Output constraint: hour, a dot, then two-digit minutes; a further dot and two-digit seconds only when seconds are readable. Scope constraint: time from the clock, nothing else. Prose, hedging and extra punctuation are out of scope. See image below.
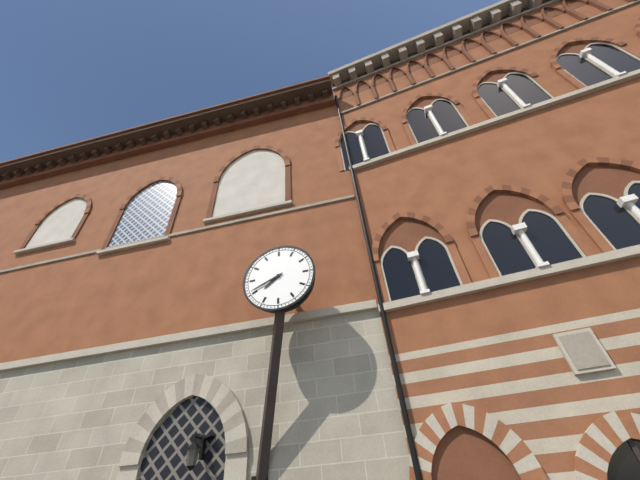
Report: 7.41
